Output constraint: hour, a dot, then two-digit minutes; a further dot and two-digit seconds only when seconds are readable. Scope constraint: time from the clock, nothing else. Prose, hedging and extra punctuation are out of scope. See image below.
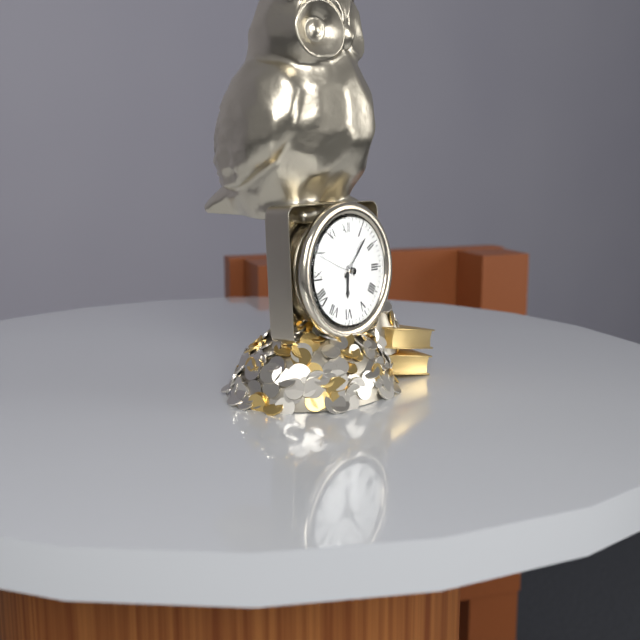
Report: 6.07
